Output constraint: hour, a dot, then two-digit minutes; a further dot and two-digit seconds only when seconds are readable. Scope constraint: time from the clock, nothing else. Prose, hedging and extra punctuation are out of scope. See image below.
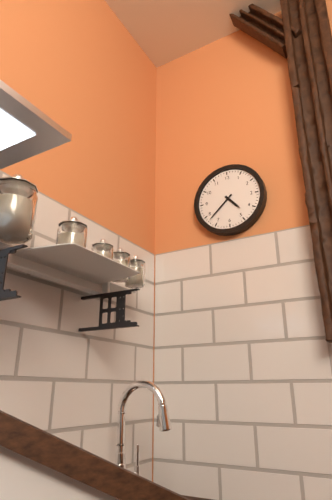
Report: 4.38
